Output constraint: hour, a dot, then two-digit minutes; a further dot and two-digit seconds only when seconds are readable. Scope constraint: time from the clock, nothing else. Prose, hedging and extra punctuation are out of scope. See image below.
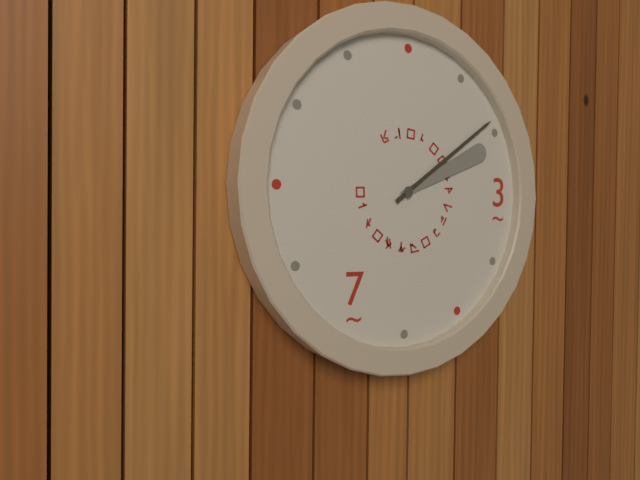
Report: 2.09
